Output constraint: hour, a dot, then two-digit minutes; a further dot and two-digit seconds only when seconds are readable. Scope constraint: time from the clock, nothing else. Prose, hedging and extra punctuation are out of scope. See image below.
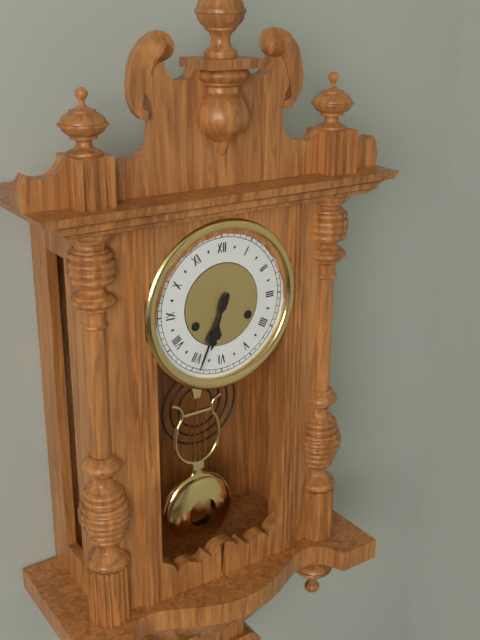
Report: 6.34
